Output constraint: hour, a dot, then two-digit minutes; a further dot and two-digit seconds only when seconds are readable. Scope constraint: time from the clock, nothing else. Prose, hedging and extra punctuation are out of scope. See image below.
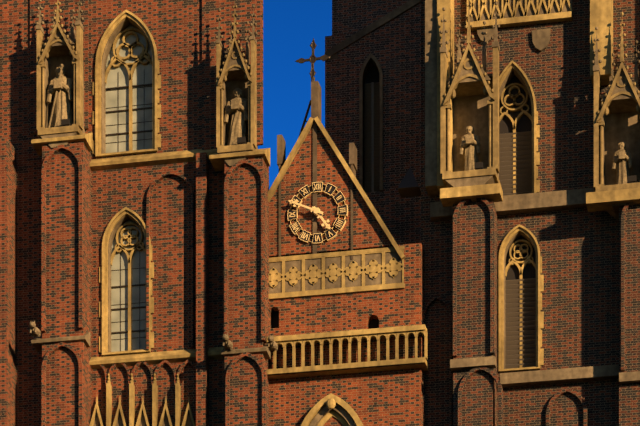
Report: 4.49
